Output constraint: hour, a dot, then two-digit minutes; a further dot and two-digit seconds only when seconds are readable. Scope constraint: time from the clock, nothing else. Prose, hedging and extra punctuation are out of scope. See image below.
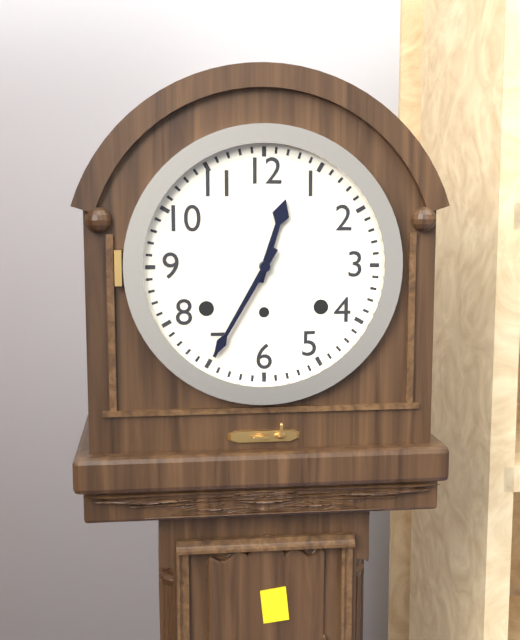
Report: 12.35
